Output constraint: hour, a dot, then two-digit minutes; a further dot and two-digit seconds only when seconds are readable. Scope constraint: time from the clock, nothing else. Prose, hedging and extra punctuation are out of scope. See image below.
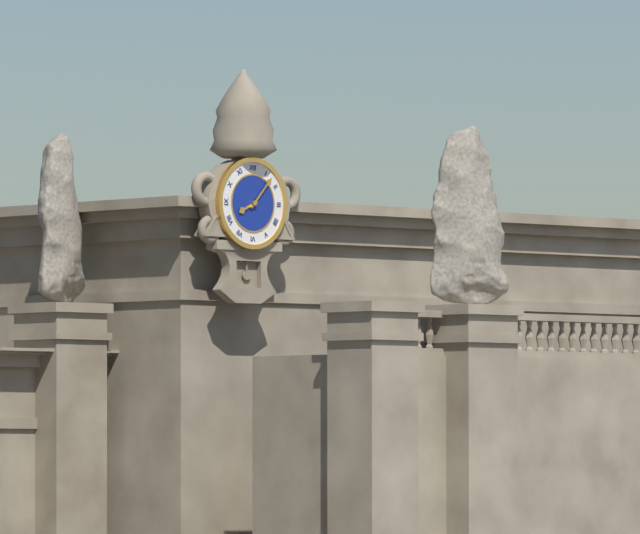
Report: 8.07
